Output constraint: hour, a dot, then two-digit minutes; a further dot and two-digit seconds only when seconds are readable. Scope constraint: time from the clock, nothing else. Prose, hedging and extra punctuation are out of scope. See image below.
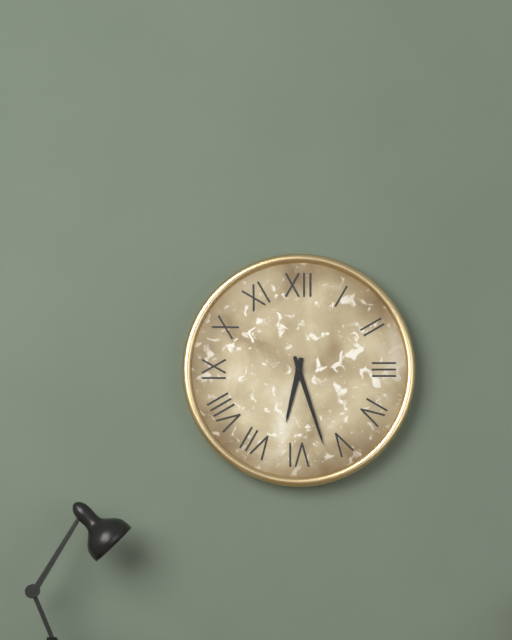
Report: 6.27
